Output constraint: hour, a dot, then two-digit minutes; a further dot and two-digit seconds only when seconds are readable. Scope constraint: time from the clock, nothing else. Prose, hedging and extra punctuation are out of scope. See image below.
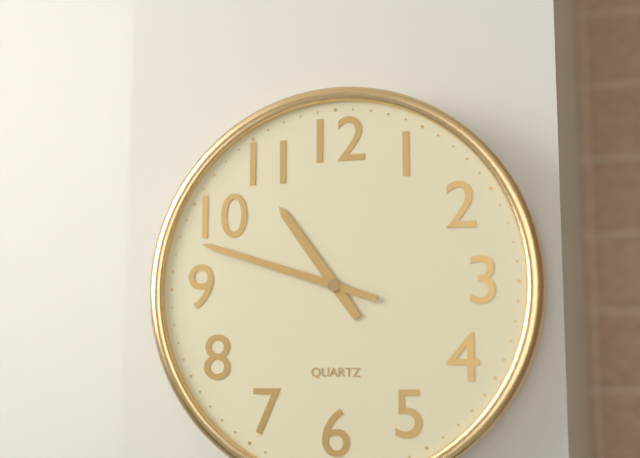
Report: 10.48
